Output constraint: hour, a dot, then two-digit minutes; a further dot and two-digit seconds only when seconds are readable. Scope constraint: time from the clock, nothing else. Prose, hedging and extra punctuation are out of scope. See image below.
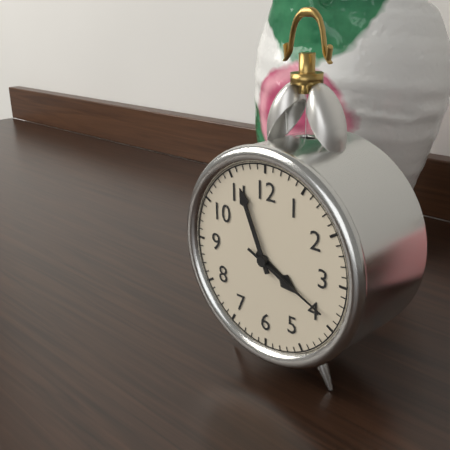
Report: 3.56.19
